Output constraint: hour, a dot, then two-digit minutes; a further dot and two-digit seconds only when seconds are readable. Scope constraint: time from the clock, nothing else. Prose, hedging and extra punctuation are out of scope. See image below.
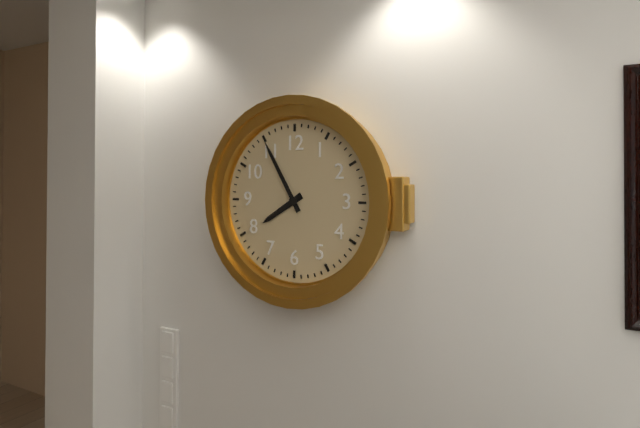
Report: 7.55
